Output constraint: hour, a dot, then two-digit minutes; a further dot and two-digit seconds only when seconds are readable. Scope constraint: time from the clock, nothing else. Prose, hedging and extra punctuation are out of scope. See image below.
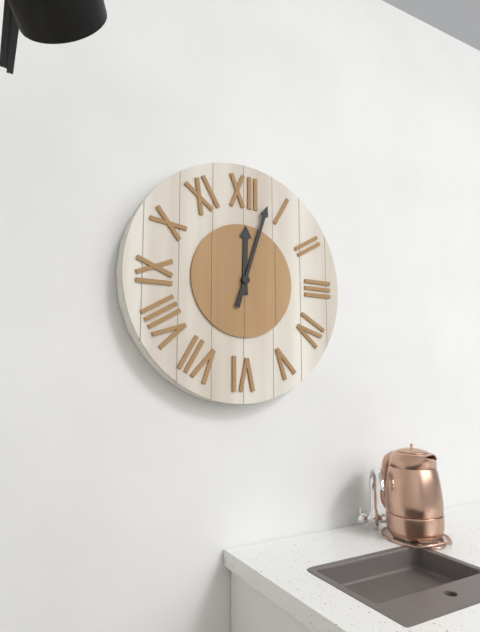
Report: 12.03
